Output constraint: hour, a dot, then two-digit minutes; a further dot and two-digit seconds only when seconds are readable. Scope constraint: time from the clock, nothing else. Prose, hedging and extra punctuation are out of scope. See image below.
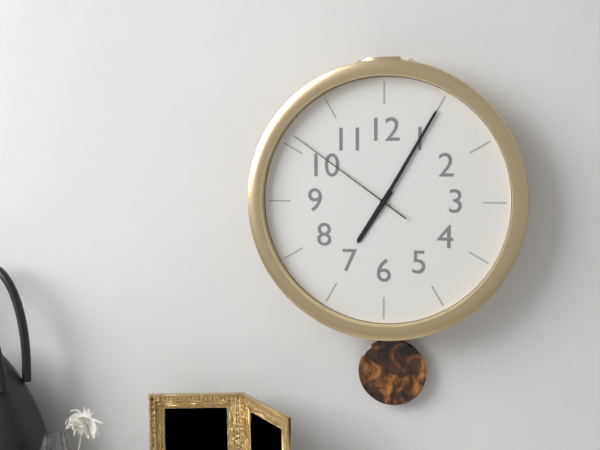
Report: 7.05.51
